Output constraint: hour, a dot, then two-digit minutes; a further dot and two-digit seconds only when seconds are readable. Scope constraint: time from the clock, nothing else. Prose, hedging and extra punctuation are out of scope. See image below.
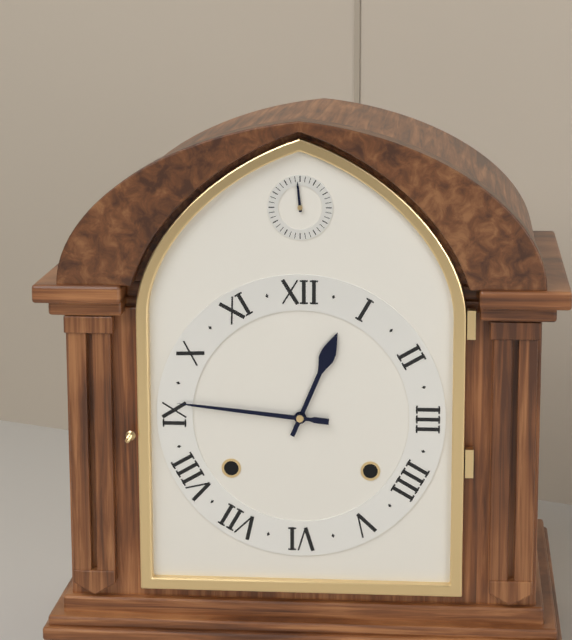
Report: 12.46
